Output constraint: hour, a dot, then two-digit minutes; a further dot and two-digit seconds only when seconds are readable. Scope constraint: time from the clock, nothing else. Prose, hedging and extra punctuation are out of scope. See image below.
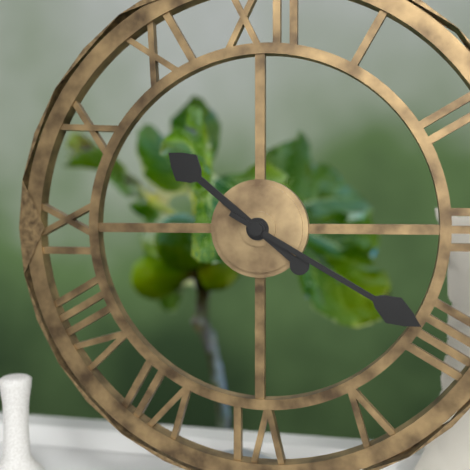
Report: 10.20
